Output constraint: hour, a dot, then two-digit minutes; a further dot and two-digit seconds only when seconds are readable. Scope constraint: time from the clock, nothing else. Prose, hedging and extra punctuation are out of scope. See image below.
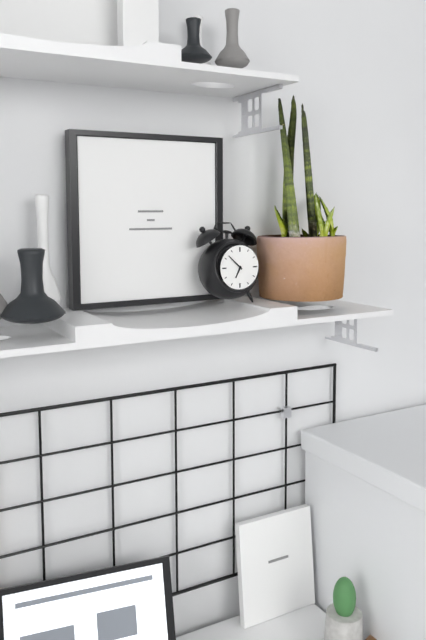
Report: 6.52
